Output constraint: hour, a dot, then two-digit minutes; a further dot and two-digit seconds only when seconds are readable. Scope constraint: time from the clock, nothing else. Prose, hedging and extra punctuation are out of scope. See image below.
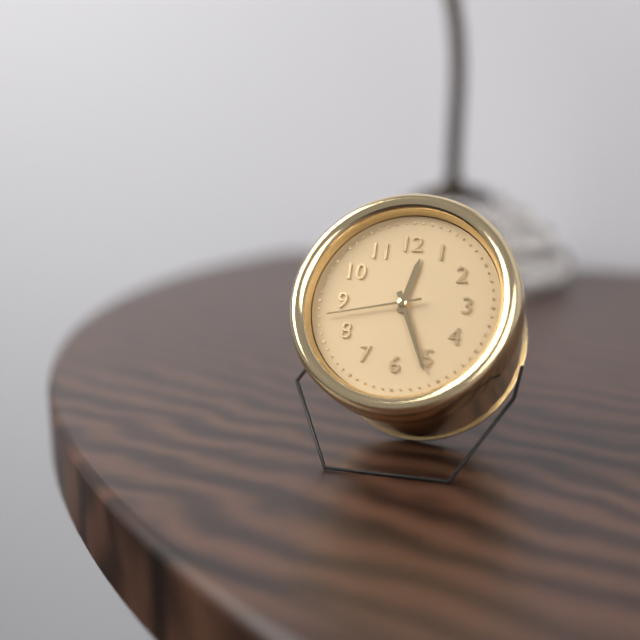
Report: 12.26.43
